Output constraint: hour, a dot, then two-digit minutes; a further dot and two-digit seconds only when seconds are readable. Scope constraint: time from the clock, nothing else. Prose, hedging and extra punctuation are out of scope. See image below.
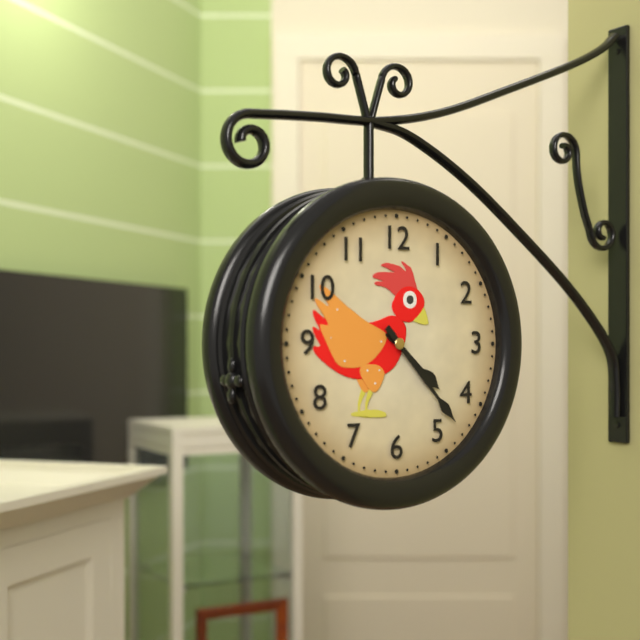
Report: 4.23
